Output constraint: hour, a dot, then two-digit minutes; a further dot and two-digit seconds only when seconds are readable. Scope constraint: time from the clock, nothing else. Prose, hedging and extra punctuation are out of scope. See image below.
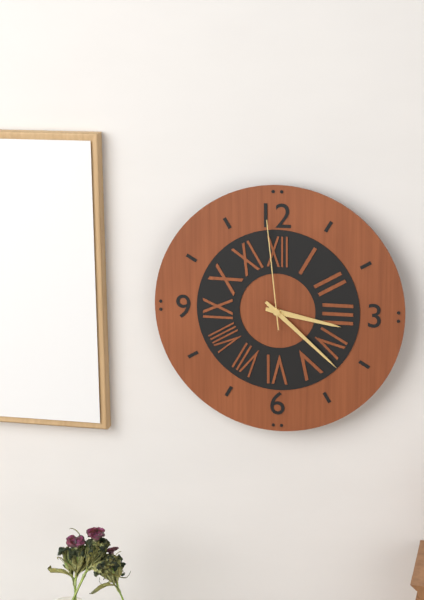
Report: 3.22.59
